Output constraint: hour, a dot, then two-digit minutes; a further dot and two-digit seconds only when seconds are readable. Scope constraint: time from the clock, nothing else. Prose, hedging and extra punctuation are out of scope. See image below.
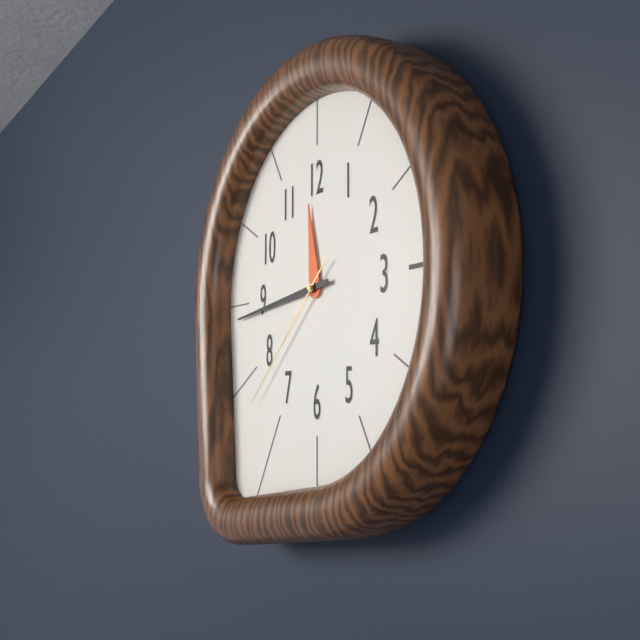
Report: 11.44.38
